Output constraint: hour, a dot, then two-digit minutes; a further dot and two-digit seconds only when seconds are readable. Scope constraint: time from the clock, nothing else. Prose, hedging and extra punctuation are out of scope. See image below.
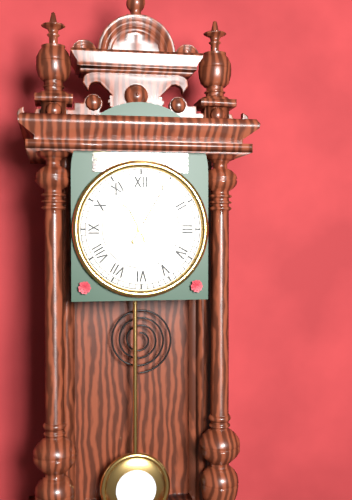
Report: 11.05
